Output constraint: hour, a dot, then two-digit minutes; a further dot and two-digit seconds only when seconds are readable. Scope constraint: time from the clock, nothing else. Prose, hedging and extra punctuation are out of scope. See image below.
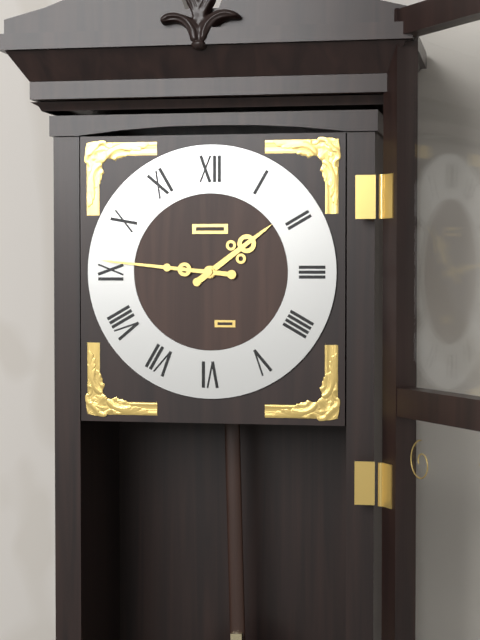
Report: 1.46
